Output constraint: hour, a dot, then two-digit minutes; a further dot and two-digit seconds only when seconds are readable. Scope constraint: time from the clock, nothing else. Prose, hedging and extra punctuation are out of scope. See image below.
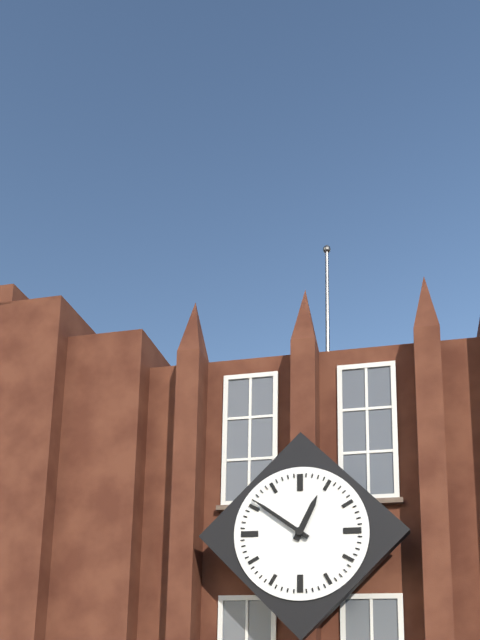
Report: 12.51
